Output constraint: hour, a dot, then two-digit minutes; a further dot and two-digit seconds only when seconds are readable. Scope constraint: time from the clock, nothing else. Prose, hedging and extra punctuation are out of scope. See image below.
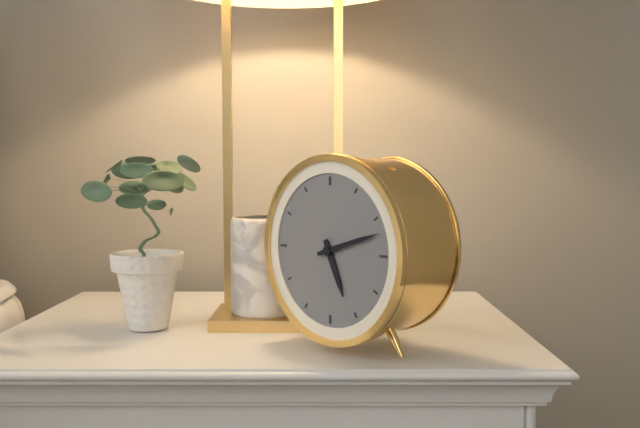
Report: 5.12
